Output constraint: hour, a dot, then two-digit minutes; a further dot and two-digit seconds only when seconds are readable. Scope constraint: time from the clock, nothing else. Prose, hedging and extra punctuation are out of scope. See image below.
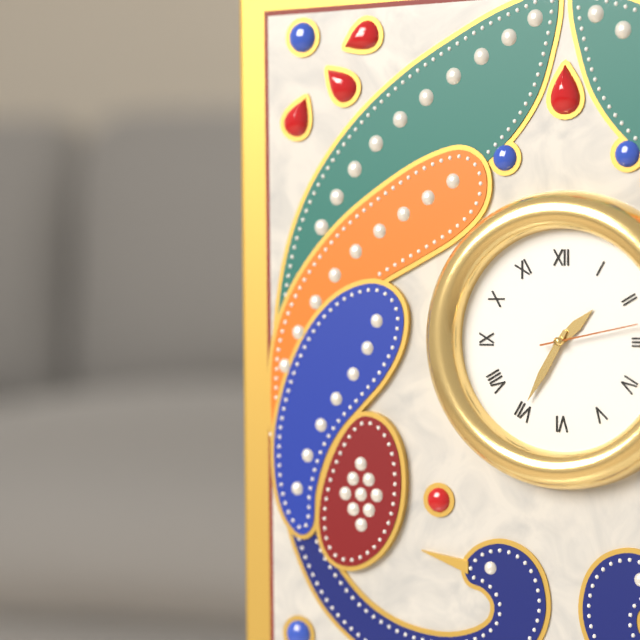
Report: 1.35.13
